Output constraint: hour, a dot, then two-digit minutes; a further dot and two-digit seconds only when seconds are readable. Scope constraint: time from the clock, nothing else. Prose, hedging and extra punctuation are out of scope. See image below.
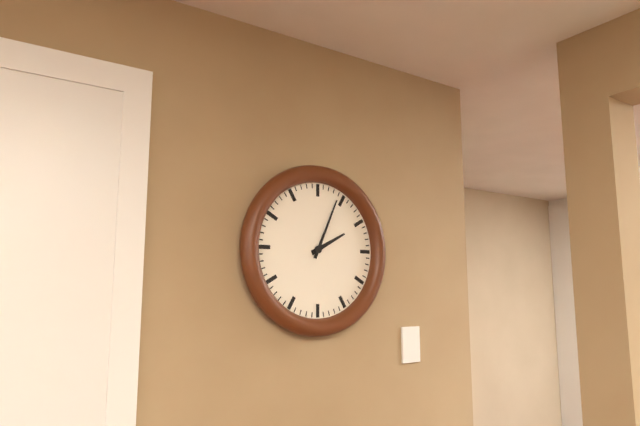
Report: 2.04
